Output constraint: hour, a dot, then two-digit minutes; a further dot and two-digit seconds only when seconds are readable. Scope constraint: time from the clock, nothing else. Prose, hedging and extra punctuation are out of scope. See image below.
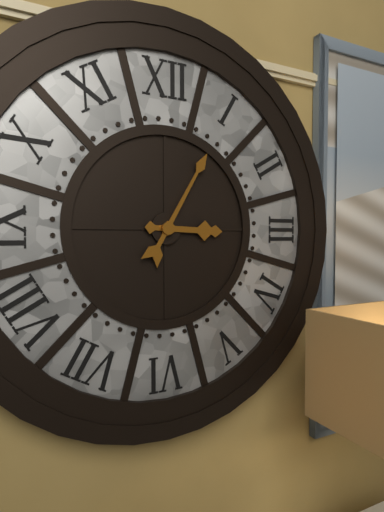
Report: 3.05
